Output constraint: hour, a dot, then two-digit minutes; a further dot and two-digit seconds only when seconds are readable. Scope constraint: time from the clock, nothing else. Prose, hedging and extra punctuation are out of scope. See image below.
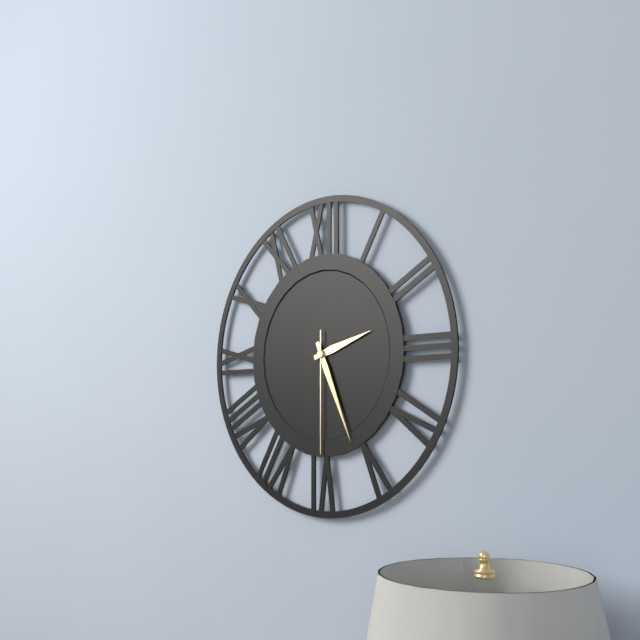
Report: 2.26.30
